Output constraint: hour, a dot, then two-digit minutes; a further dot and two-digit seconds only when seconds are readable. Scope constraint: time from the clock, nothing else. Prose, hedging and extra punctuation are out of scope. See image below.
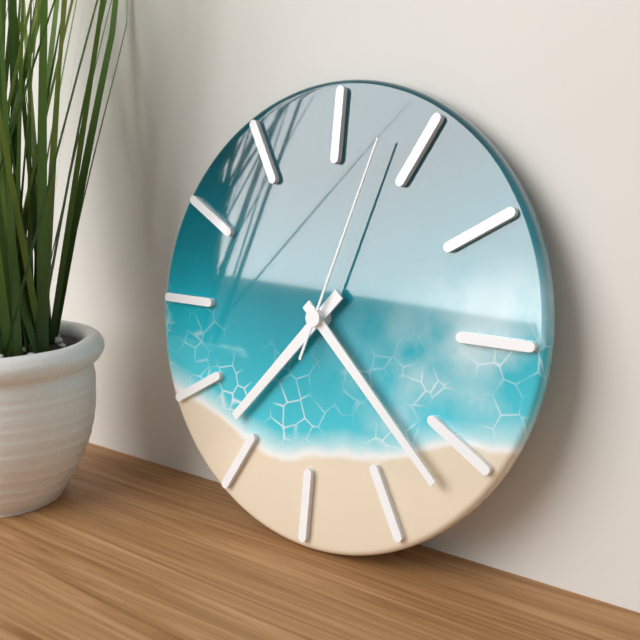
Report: 7.22.03
